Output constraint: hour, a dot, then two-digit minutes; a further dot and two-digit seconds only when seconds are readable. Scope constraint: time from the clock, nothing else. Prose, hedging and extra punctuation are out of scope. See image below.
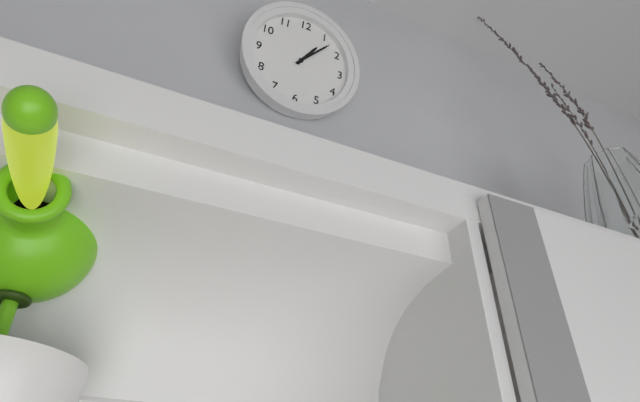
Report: 1.07
